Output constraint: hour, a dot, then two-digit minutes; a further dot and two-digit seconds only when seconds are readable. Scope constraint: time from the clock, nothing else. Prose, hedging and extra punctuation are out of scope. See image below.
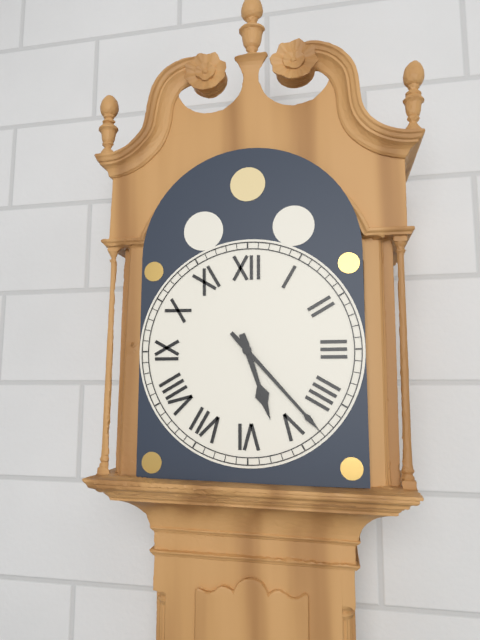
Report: 5.23
